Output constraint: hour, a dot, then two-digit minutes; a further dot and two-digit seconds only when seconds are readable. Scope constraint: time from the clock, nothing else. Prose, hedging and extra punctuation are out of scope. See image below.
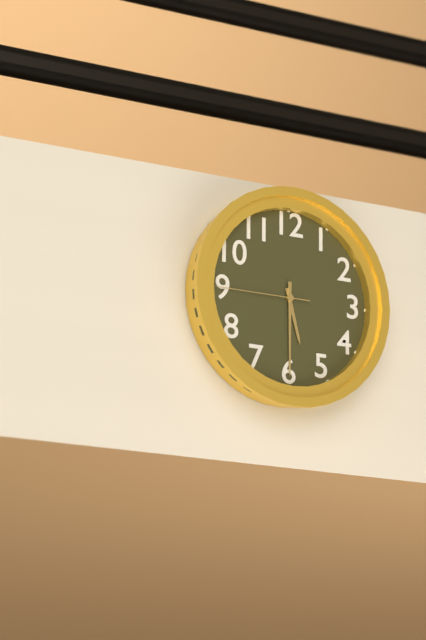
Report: 5.30.45
